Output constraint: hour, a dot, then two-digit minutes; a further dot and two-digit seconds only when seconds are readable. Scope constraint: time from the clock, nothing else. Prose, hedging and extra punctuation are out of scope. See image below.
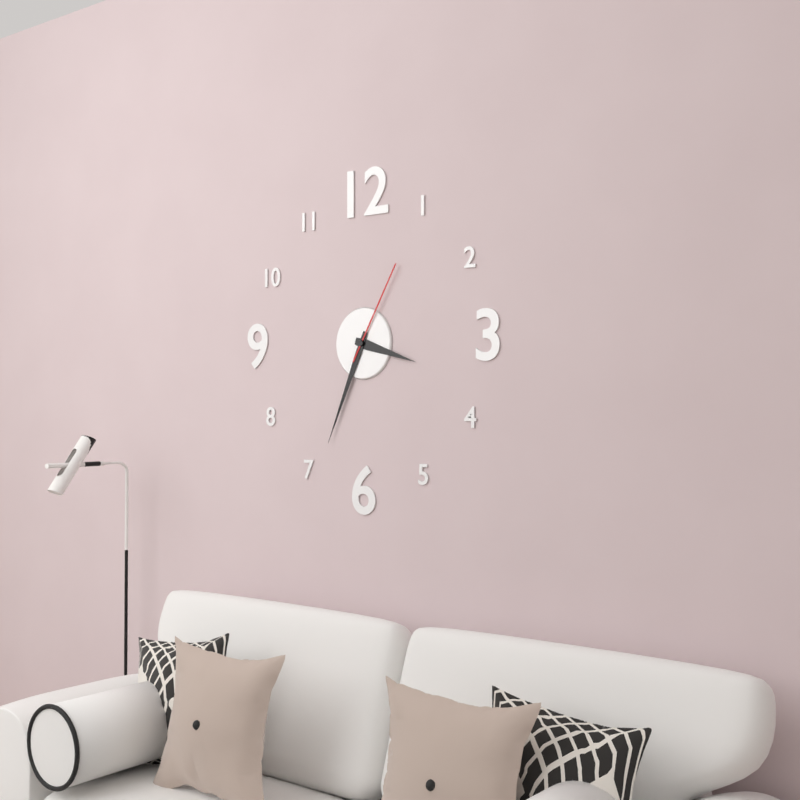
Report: 3.34.05
